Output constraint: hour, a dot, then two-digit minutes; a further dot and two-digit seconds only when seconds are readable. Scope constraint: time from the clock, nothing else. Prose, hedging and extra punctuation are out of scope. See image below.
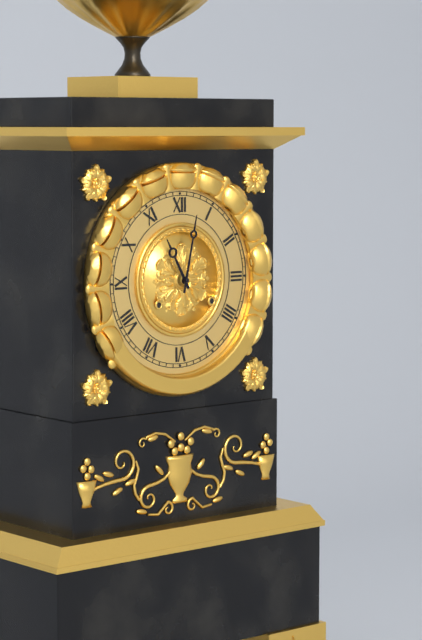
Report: 11.02
